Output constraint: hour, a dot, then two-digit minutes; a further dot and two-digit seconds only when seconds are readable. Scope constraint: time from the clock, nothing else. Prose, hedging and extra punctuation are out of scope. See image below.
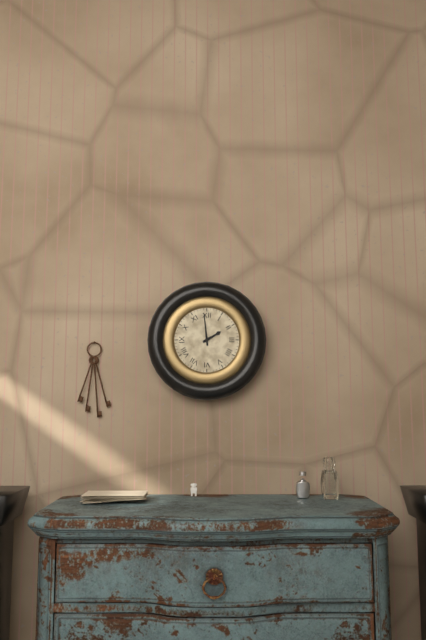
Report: 1.59
